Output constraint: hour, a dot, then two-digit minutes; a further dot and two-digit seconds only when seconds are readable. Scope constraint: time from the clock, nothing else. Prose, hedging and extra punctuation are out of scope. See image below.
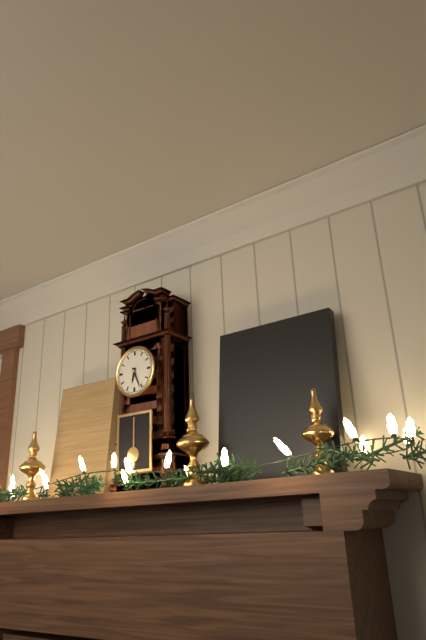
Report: 6.26
